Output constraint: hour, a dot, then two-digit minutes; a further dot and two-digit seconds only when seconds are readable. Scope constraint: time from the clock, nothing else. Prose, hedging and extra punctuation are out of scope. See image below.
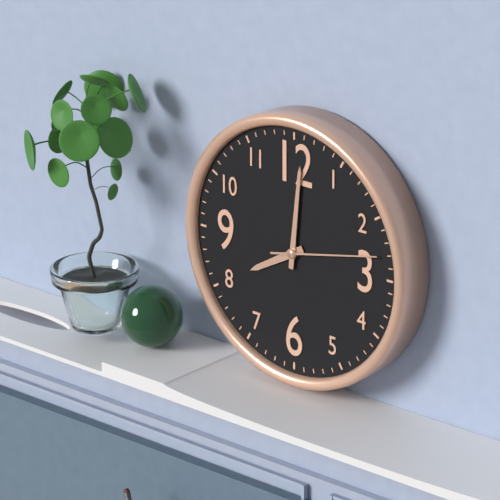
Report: 8.01.13
